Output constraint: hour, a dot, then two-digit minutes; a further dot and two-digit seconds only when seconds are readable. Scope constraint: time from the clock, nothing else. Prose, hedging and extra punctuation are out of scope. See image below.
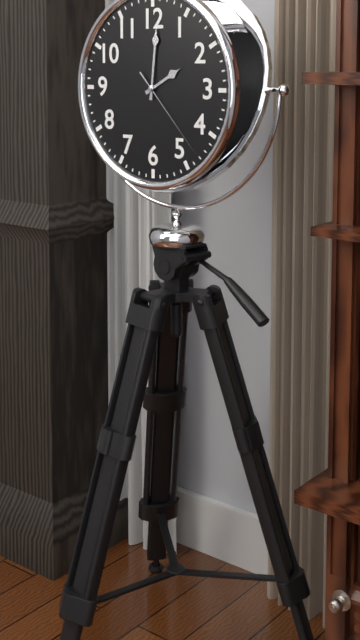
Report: 2.01.23
